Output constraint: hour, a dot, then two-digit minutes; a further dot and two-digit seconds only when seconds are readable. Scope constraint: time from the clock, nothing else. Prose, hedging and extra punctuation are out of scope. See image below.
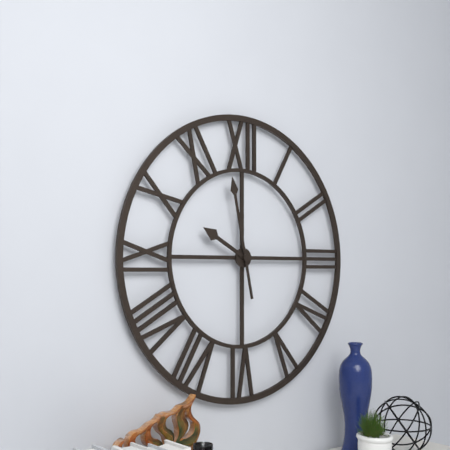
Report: 9.58
